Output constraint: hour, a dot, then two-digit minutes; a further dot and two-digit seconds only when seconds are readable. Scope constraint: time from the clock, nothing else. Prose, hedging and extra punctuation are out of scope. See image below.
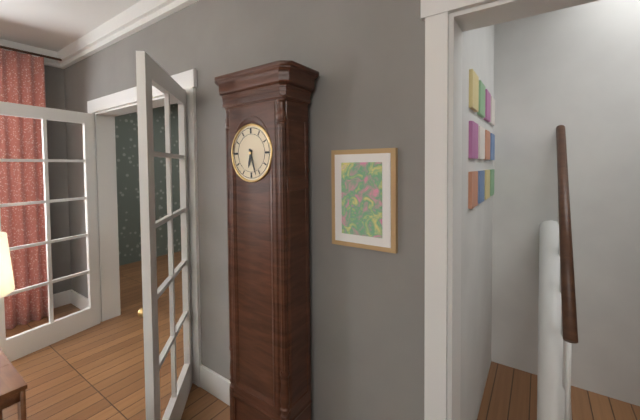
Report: 6.27
